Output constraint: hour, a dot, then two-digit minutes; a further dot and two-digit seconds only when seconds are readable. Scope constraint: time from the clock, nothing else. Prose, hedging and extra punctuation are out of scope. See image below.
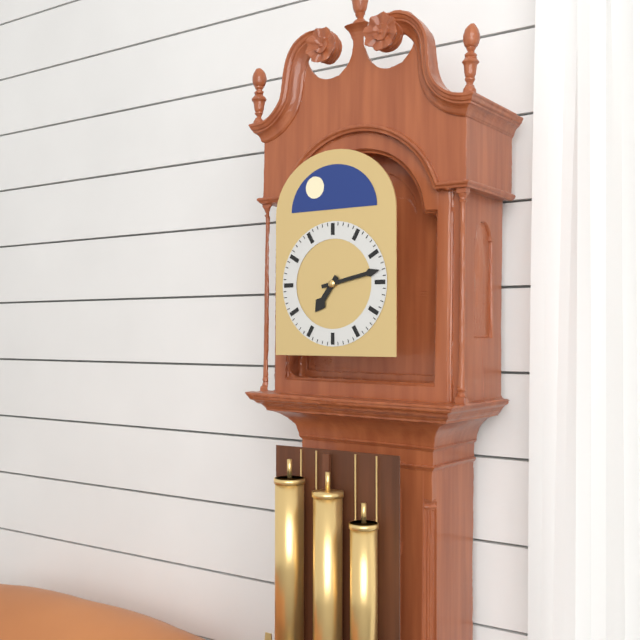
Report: 7.13
